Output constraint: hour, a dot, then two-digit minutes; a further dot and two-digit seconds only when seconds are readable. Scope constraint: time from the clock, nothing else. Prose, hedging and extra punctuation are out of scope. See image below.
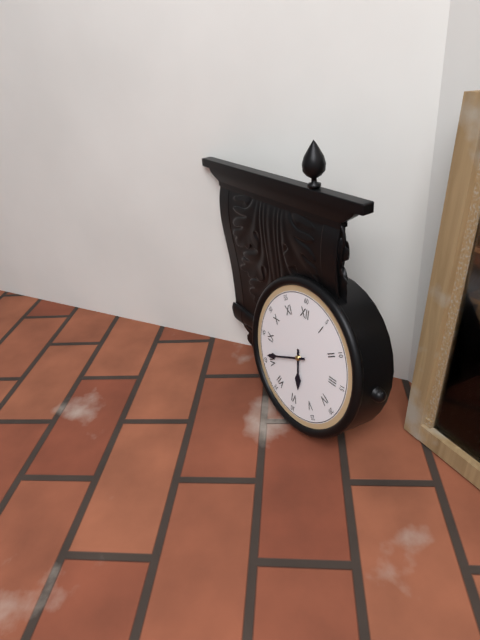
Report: 5.41
